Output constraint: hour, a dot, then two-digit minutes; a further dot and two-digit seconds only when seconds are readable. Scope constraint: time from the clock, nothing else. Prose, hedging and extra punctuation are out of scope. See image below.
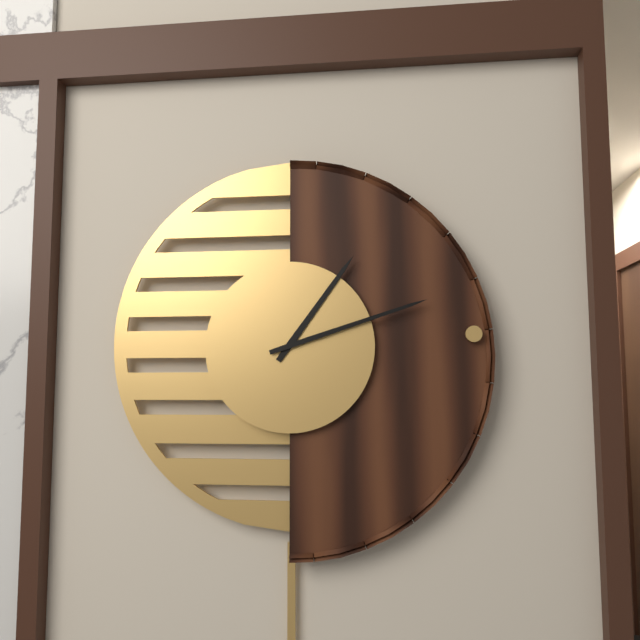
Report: 1.12
